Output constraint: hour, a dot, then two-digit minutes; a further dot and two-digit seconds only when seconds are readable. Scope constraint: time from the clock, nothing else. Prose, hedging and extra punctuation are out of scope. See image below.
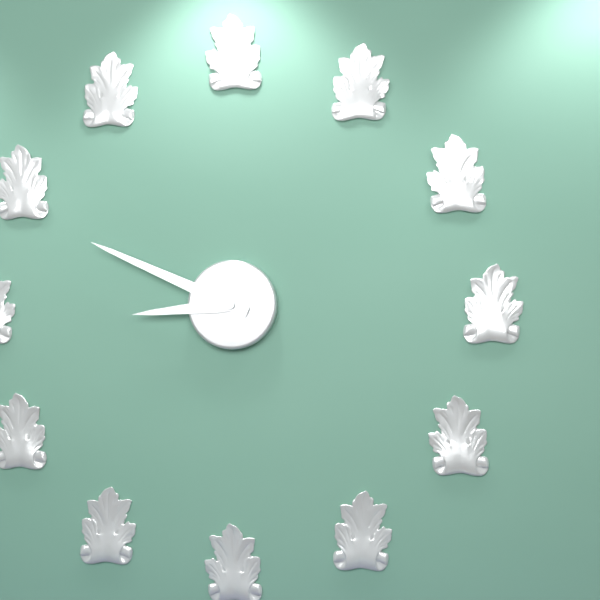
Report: 8.49
